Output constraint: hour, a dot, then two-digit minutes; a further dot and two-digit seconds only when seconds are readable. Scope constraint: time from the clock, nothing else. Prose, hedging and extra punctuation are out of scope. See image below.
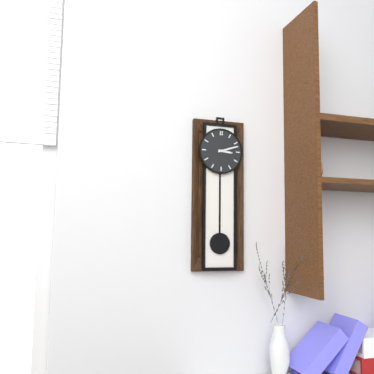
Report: 3.12
